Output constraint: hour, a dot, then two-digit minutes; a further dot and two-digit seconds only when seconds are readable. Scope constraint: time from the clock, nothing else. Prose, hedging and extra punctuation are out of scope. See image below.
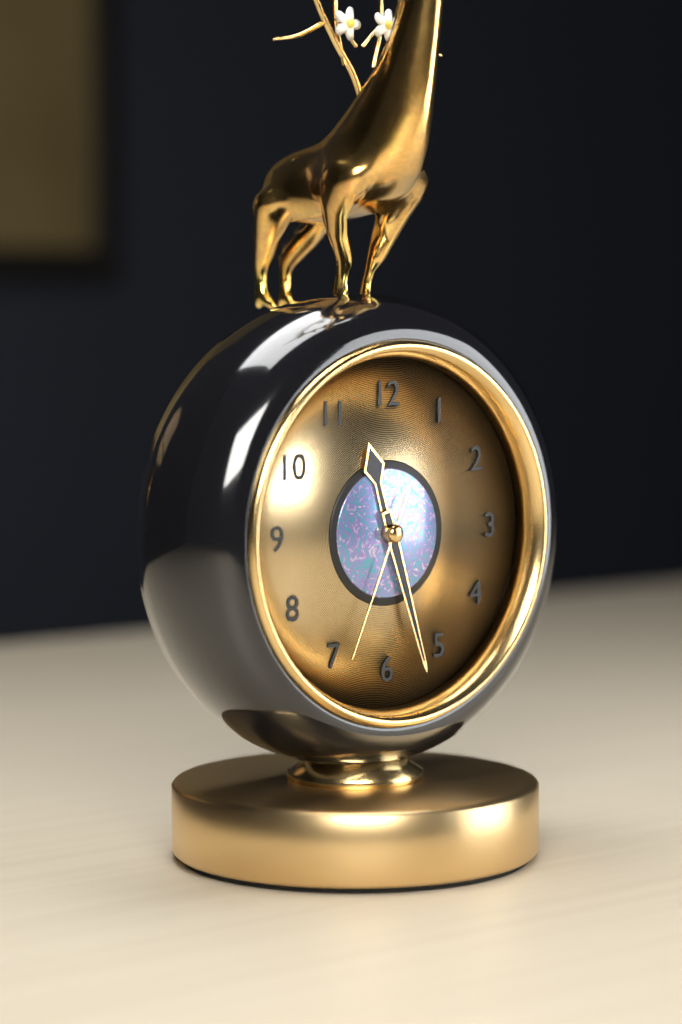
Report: 11.27.34
